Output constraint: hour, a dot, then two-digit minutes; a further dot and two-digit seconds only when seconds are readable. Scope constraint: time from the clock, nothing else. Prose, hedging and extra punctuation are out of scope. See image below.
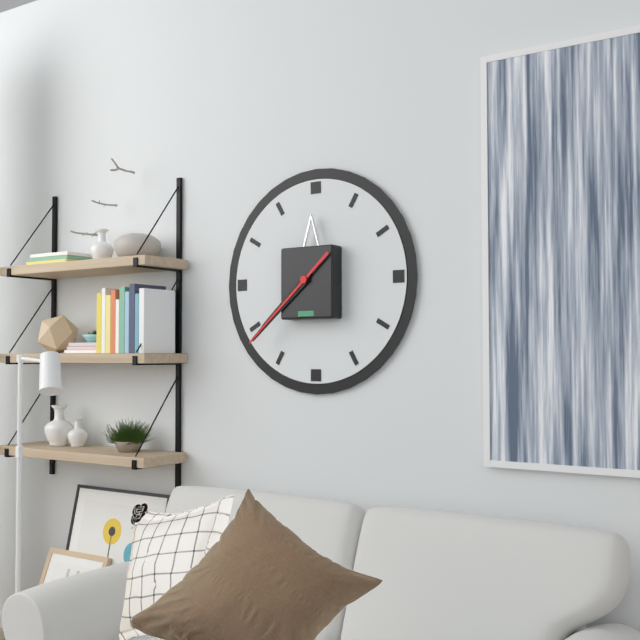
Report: 7.38.38
